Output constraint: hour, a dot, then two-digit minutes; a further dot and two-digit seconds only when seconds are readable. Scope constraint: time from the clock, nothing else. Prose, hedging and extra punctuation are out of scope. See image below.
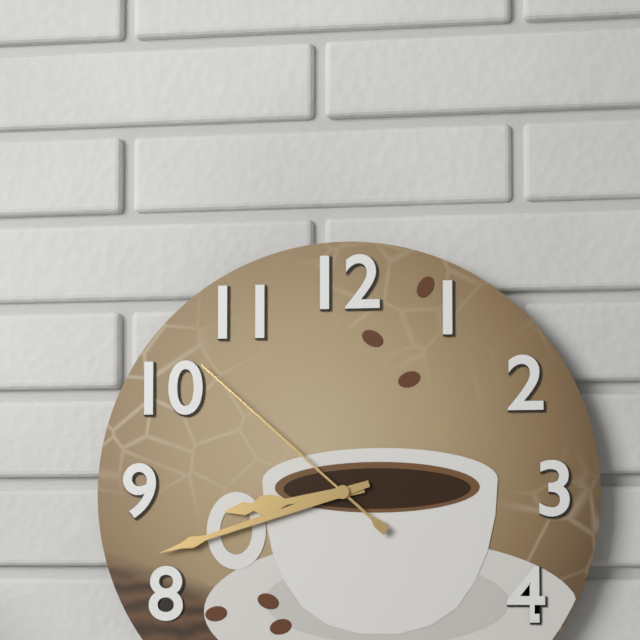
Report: 8.42.52
